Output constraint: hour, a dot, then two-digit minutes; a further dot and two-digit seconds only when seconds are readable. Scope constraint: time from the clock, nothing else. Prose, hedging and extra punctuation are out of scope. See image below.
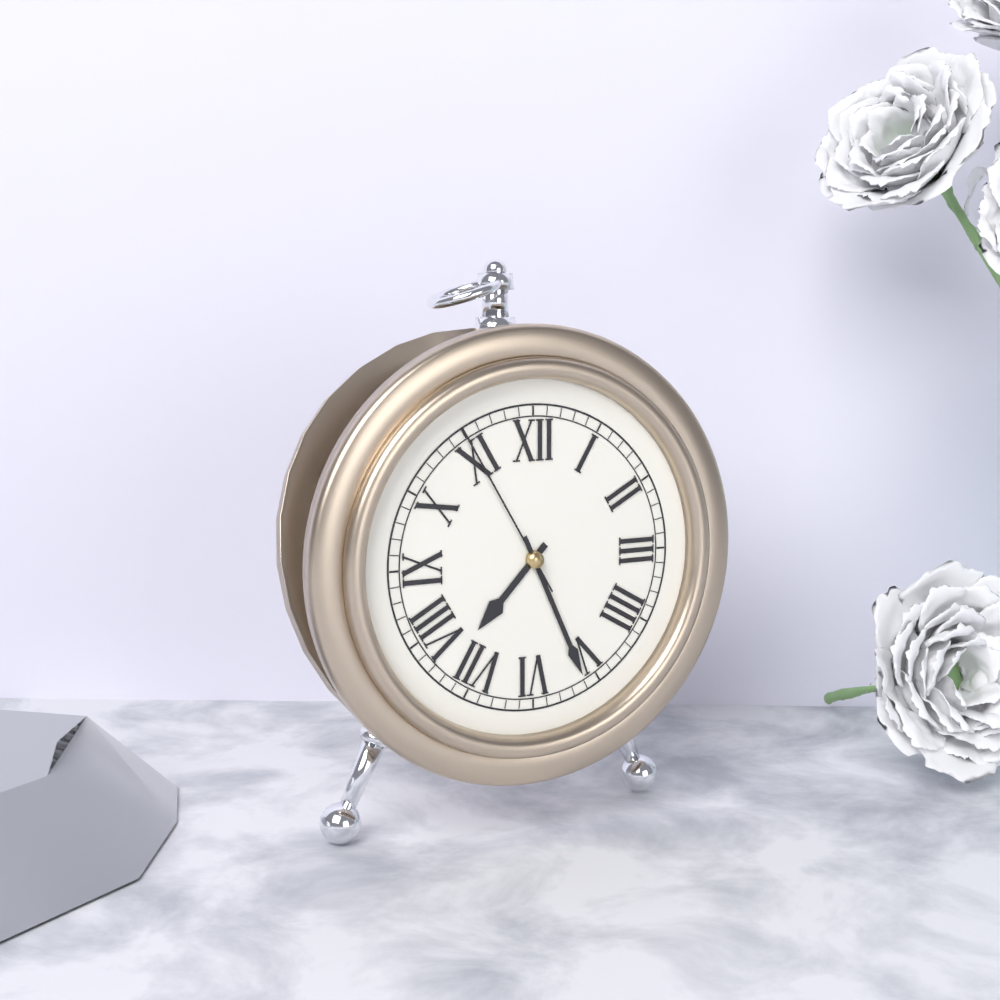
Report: 7.26.55
